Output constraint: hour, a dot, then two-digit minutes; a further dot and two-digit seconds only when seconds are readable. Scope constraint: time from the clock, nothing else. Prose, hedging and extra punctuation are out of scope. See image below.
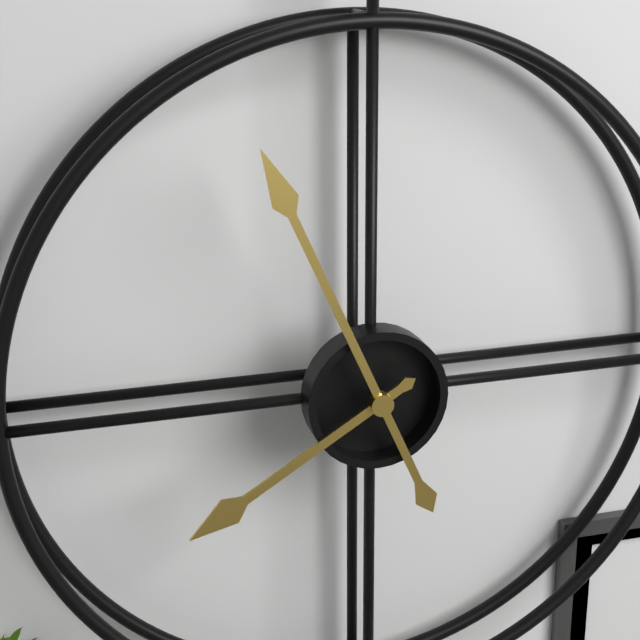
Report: 7.56
